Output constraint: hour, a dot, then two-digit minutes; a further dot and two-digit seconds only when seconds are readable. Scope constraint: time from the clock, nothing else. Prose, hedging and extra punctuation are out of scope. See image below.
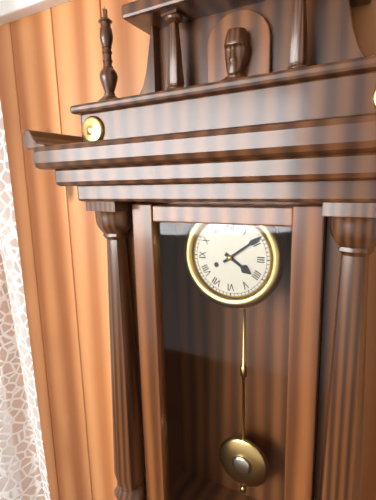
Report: 4.09
